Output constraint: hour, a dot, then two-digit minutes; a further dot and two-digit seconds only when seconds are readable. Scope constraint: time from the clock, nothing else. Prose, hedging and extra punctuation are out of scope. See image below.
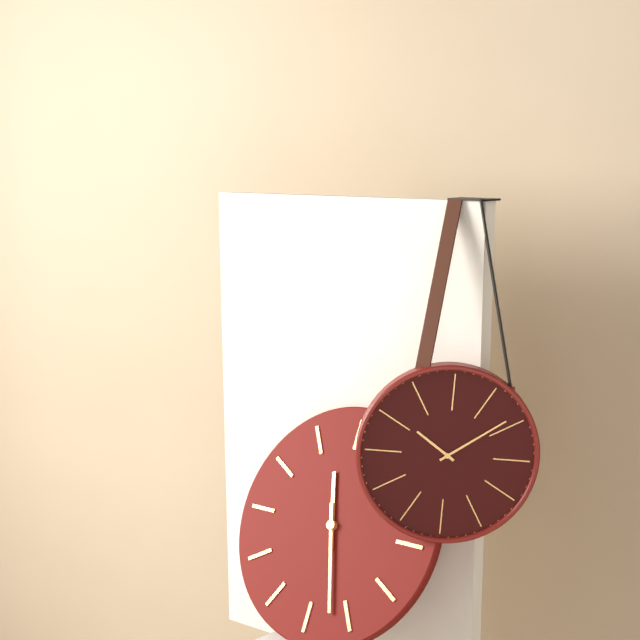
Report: 11.27
